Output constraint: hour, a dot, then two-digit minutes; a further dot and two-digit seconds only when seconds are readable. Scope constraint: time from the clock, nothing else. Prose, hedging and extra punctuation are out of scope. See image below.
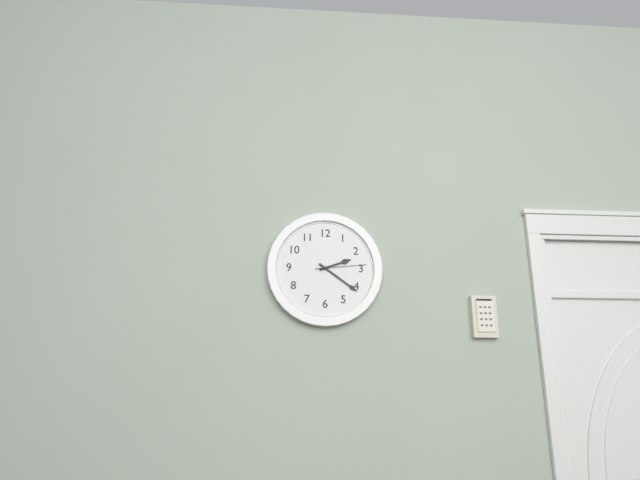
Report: 2.21.14
